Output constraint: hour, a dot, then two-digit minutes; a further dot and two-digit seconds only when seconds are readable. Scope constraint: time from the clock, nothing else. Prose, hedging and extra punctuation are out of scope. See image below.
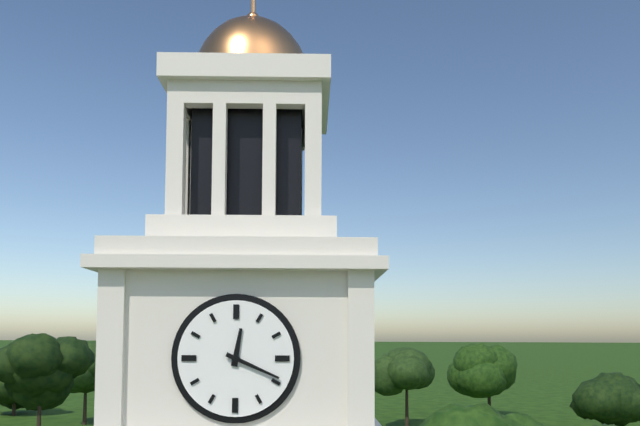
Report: 12.19
